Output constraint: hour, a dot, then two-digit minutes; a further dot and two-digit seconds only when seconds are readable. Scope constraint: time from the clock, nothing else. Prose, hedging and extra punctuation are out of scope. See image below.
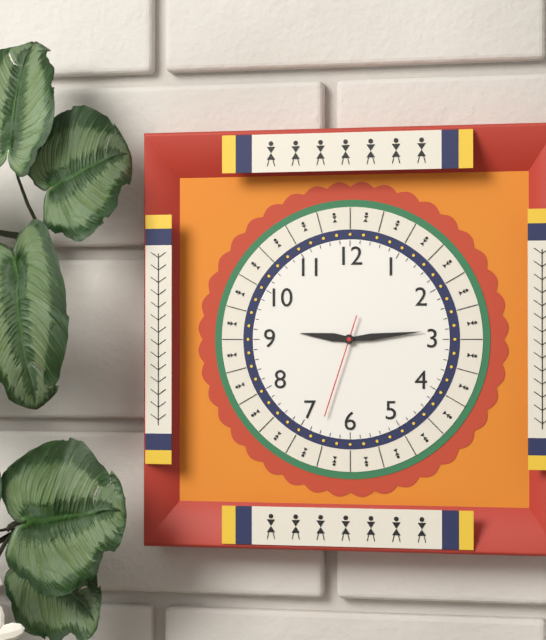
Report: 9.14.33
